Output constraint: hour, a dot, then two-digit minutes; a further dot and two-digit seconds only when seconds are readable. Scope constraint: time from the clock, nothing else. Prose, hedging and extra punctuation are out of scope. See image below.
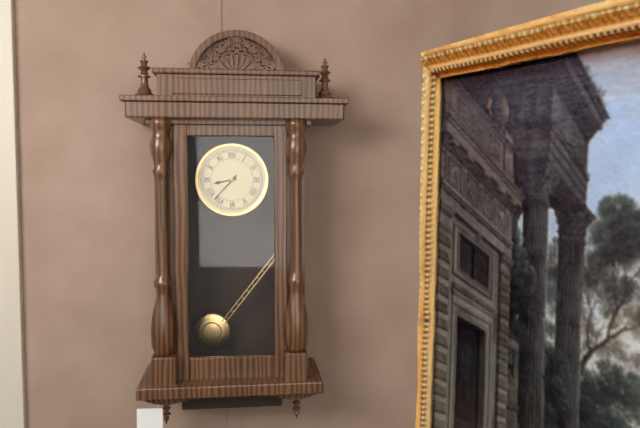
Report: 8.37
